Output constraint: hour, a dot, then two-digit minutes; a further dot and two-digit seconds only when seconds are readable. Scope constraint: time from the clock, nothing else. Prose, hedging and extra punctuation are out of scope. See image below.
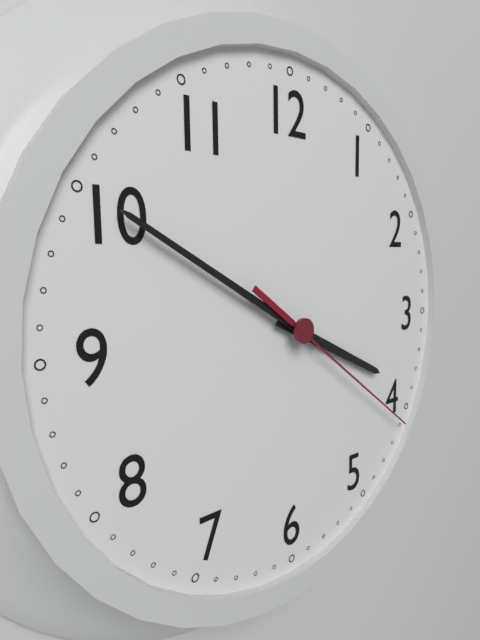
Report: 3.50.21
